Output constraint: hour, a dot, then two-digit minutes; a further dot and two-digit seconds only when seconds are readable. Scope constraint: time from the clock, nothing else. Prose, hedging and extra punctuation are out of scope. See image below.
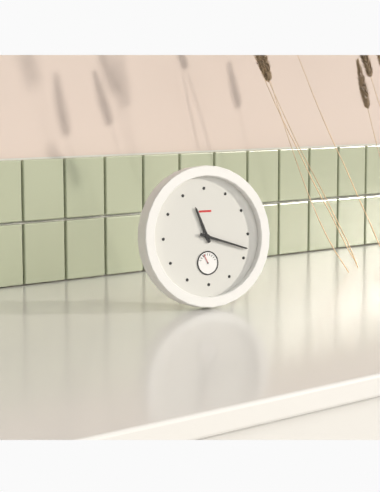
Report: 11.18
